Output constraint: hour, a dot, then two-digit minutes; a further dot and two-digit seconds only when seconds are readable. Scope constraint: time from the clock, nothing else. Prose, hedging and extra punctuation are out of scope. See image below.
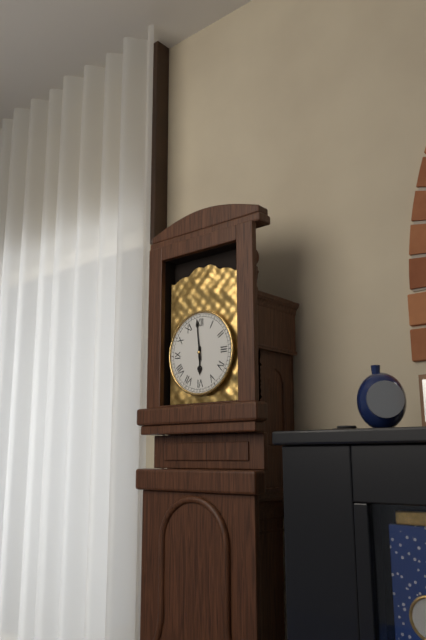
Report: 5.59
